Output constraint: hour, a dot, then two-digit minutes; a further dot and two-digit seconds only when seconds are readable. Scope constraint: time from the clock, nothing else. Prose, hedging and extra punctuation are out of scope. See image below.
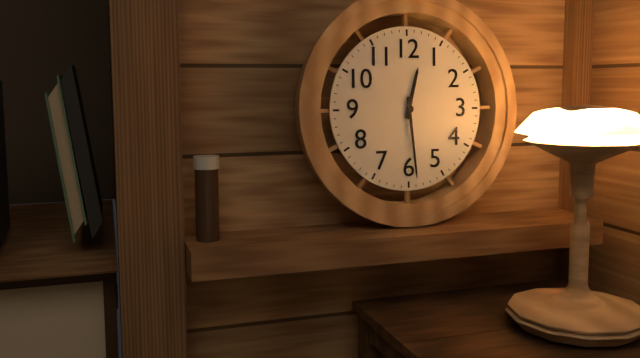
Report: 12.29
